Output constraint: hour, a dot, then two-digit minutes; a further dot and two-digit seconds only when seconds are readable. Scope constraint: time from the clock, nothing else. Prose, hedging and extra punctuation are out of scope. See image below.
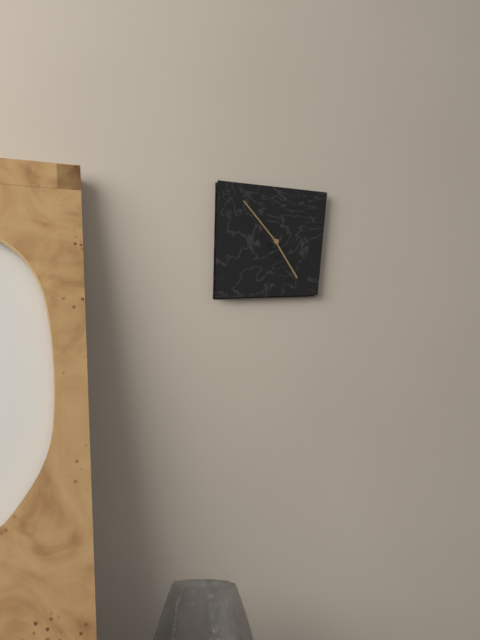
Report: 4.53
